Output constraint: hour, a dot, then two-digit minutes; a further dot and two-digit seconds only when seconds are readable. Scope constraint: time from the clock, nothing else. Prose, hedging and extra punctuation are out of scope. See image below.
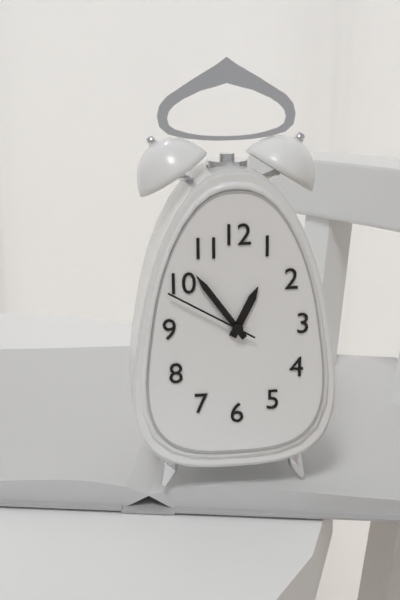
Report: 12.54.50
